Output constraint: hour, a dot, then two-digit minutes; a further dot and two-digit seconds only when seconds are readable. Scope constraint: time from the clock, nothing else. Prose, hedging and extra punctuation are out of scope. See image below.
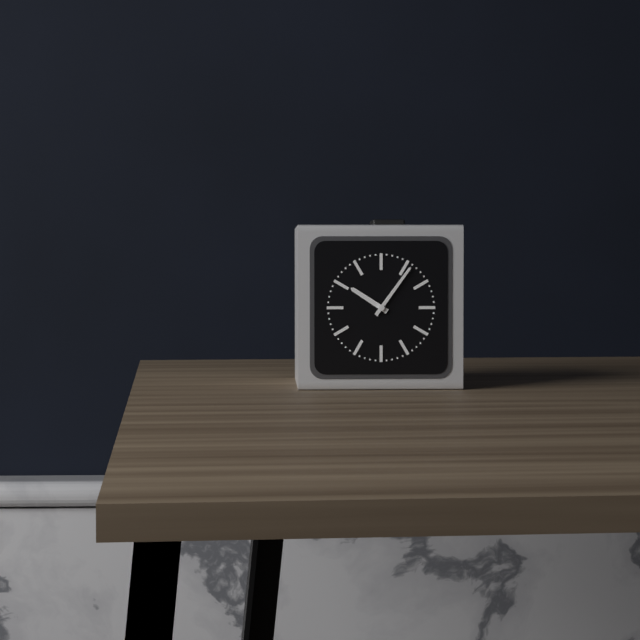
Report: 10.06
